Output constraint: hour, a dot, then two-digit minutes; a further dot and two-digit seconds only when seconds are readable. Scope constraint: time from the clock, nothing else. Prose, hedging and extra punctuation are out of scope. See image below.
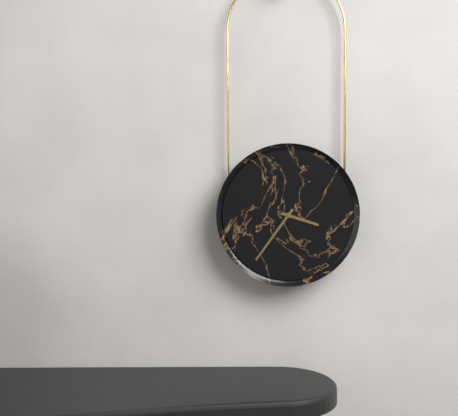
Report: 3.36
